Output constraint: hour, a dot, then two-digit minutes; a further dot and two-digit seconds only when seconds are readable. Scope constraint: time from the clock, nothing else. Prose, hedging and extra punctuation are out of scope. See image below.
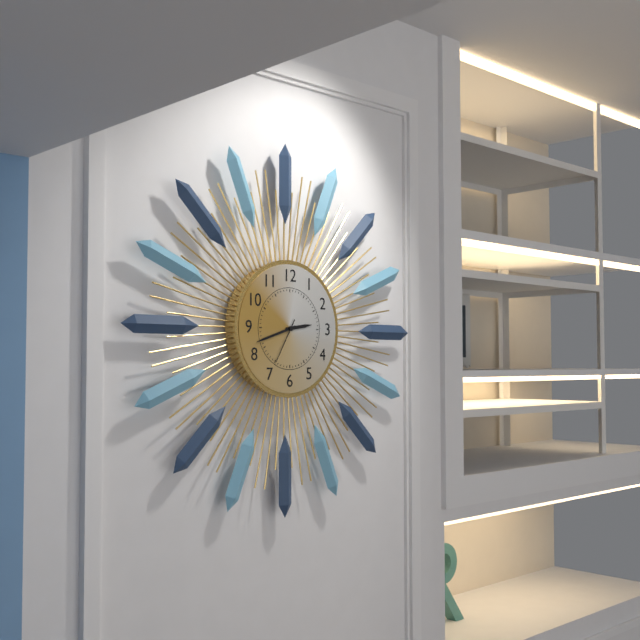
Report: 2.42
